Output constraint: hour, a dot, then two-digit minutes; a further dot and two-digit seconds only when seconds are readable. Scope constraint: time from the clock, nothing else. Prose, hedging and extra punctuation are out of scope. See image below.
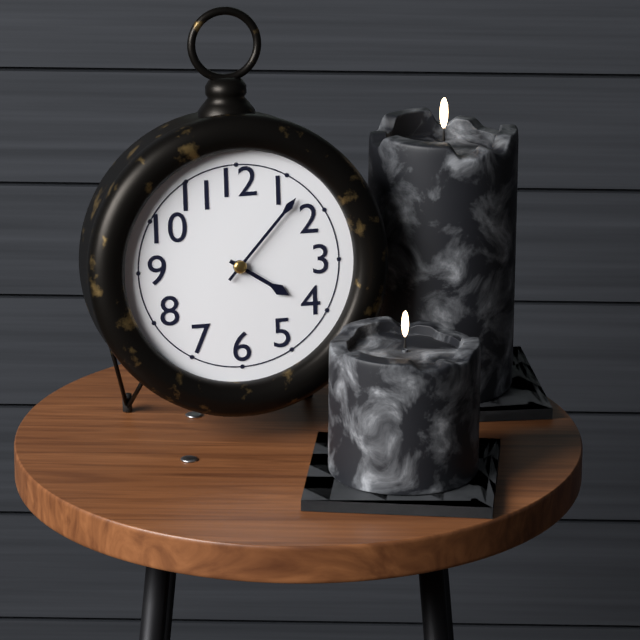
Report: 4.07
